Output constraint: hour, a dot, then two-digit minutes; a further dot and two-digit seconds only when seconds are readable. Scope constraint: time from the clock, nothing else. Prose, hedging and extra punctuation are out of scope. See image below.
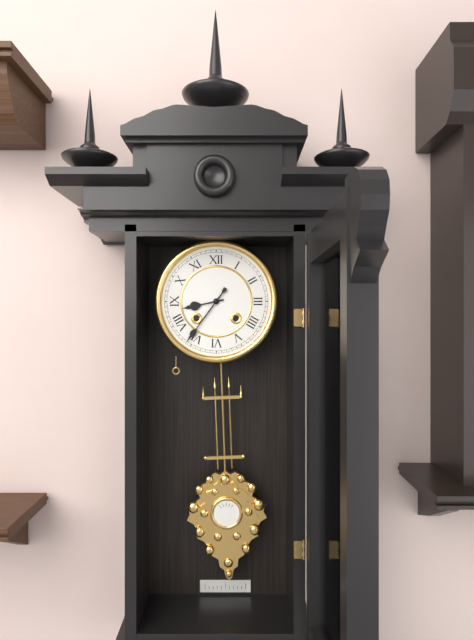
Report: 8.36
